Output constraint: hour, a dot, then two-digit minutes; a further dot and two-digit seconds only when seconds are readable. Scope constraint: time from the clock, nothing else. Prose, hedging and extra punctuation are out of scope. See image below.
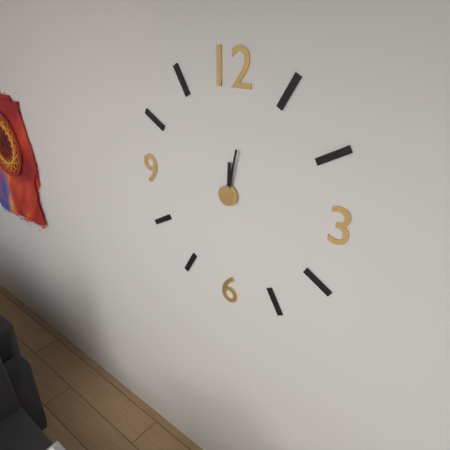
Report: 12.02
